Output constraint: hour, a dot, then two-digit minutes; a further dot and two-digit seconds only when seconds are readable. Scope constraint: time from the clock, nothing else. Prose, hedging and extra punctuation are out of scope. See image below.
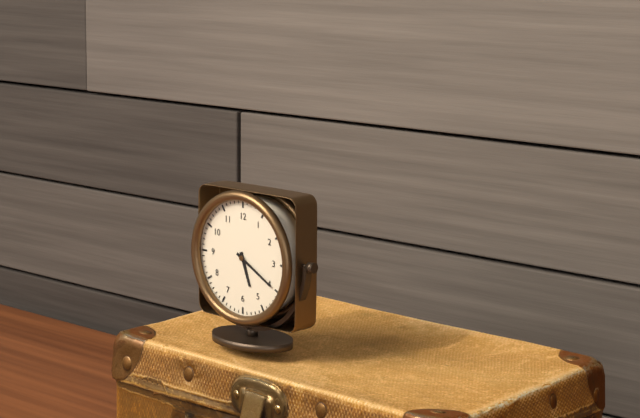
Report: 5.20
